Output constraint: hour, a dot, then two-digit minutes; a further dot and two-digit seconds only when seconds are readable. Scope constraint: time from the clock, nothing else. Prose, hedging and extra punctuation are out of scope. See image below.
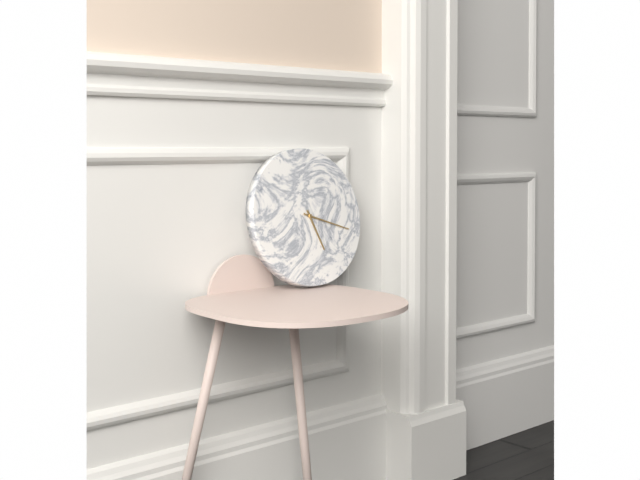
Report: 5.18
